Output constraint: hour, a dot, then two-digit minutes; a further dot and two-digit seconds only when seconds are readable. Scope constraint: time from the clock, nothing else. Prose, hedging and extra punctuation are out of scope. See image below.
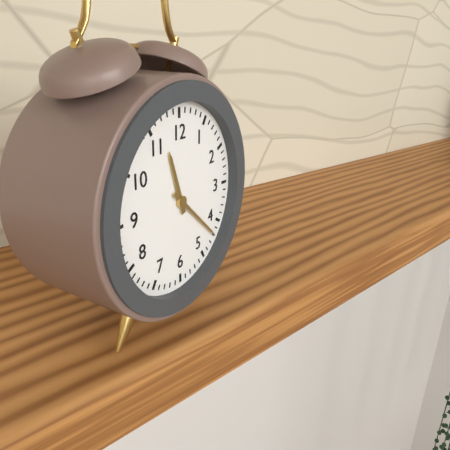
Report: 11.22
